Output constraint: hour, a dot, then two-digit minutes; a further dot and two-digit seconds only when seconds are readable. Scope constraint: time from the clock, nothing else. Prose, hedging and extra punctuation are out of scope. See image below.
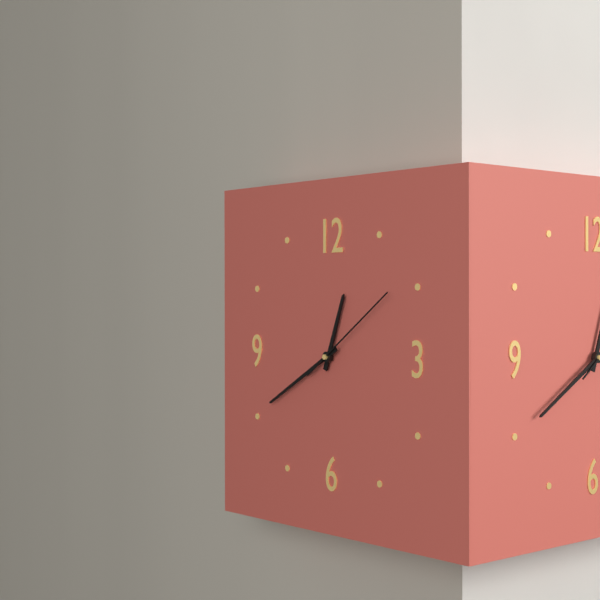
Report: 12.40.09
